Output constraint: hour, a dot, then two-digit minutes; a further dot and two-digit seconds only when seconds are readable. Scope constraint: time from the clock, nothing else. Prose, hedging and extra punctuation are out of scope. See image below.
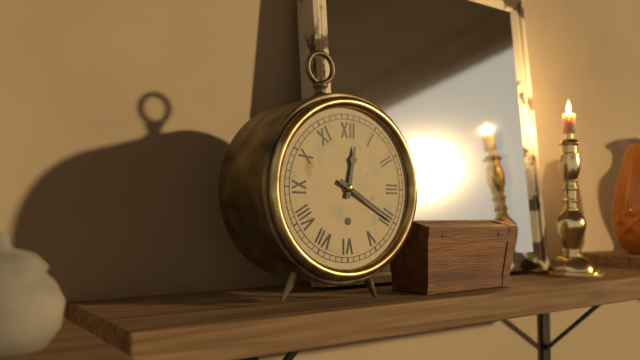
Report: 12.20
